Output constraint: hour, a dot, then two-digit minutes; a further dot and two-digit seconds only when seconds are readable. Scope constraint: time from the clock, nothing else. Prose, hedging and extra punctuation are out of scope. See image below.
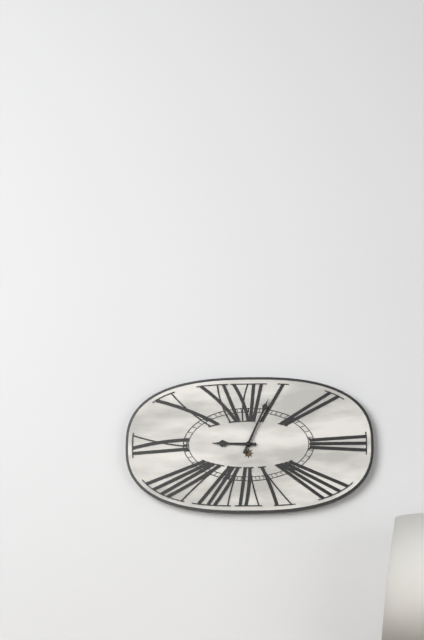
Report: 9.04
